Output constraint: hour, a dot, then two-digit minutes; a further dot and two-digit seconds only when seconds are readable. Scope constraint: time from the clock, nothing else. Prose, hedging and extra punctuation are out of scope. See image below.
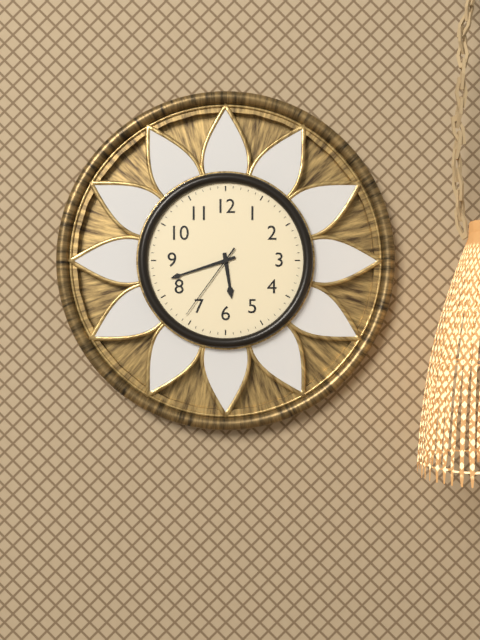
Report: 5.42.36
